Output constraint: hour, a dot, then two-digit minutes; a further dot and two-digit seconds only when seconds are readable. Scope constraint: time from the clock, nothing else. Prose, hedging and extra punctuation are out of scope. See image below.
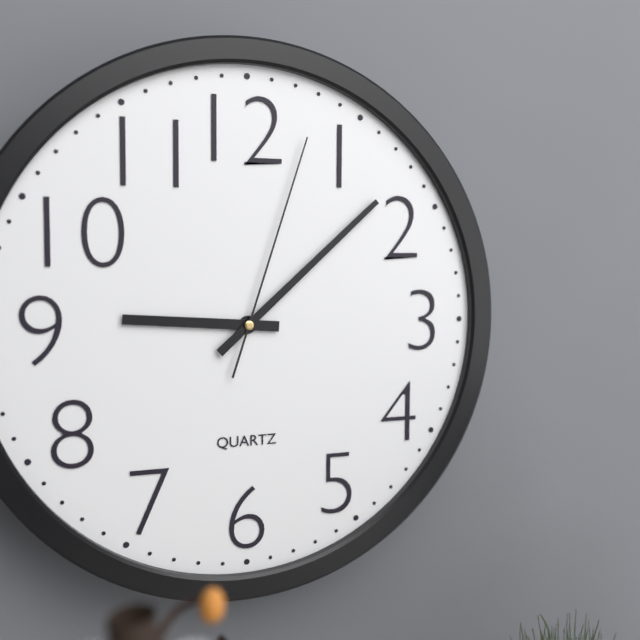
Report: 9.08.03
